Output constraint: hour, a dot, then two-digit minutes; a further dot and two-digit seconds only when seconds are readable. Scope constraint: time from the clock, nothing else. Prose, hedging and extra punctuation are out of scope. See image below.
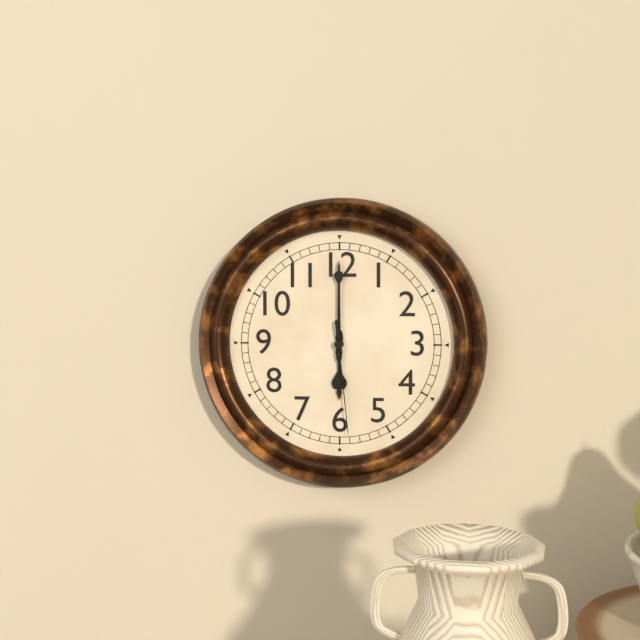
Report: 6.00.29
